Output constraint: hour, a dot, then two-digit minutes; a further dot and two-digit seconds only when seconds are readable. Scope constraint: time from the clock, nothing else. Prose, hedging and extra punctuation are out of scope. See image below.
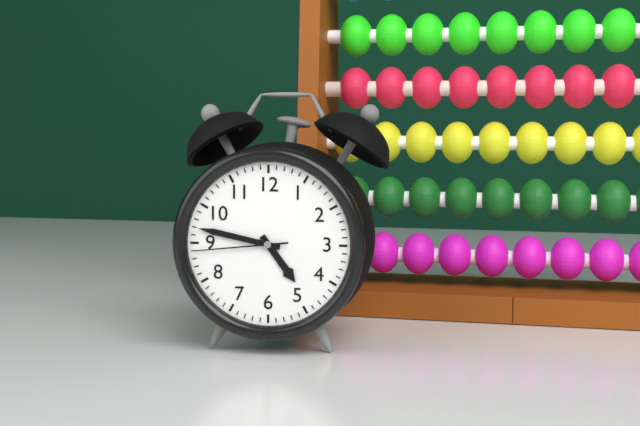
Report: 4.47.44
